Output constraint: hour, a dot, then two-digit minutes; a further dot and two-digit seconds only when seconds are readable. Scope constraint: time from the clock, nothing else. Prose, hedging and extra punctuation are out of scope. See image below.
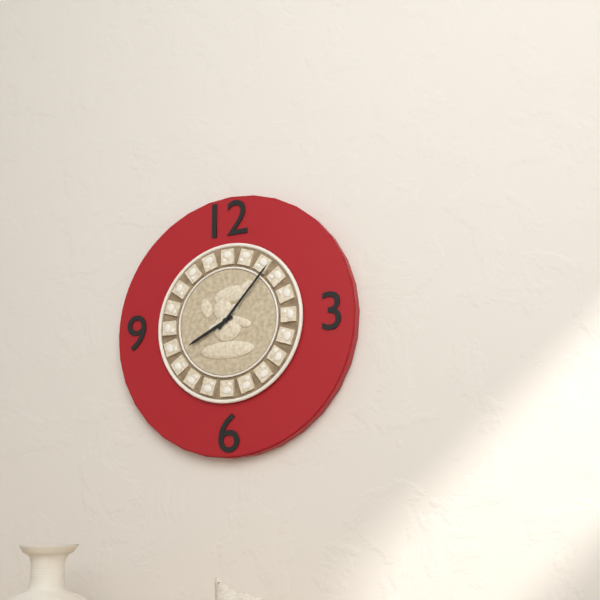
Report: 8.07
